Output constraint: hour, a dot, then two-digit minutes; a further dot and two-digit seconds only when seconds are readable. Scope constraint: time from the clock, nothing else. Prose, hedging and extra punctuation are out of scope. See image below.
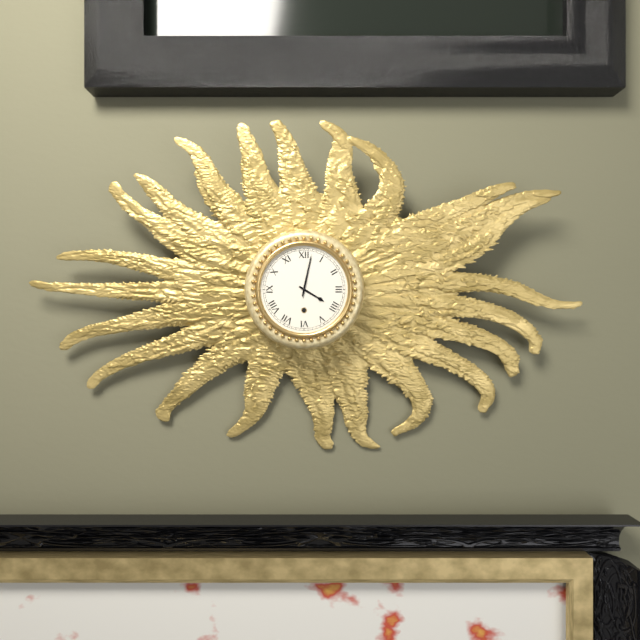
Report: 4.02
